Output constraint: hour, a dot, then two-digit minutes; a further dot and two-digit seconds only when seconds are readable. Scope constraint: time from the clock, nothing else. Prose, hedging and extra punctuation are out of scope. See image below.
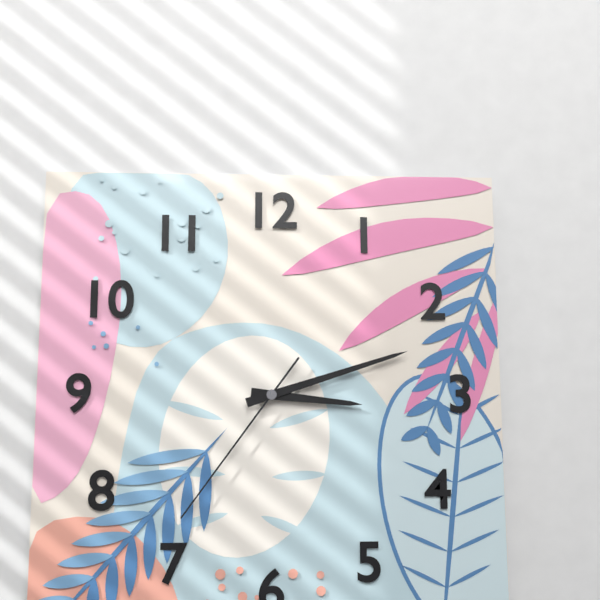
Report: 3.12.36
